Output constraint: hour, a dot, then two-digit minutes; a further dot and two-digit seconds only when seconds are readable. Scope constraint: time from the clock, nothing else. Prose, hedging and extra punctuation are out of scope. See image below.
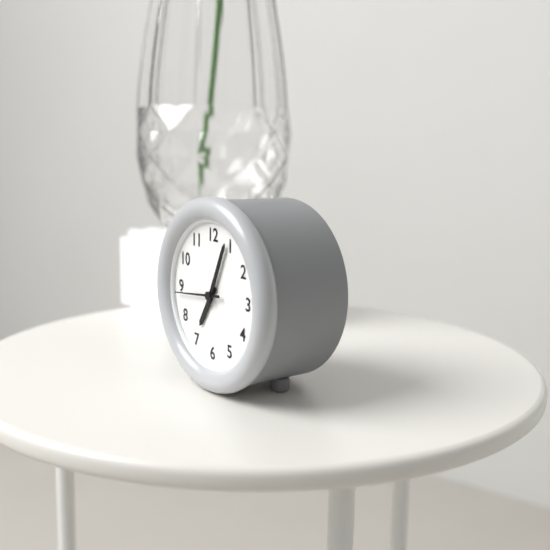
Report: 7.04
